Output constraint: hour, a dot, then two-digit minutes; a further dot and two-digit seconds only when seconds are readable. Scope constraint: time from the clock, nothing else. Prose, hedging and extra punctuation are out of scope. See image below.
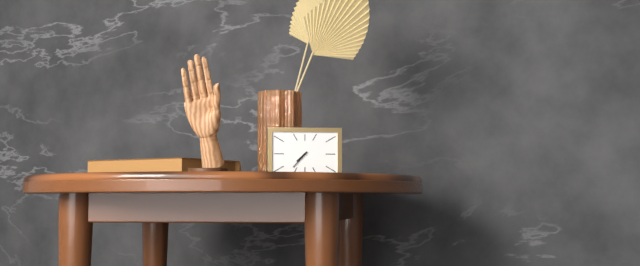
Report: 7.37
